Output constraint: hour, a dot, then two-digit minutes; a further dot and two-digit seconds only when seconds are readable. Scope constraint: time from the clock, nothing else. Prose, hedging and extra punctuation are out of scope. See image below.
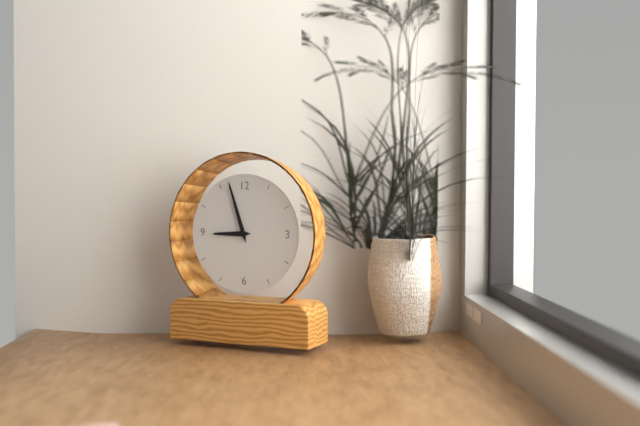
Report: 8.57
